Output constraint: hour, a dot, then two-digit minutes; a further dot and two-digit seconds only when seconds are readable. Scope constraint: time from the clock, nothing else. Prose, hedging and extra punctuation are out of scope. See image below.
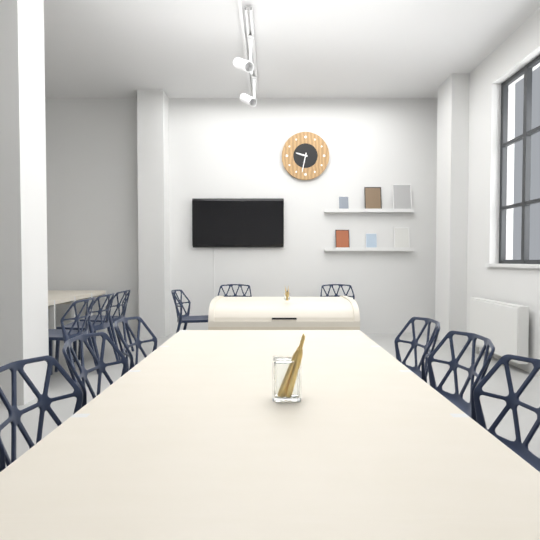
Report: 9.32
